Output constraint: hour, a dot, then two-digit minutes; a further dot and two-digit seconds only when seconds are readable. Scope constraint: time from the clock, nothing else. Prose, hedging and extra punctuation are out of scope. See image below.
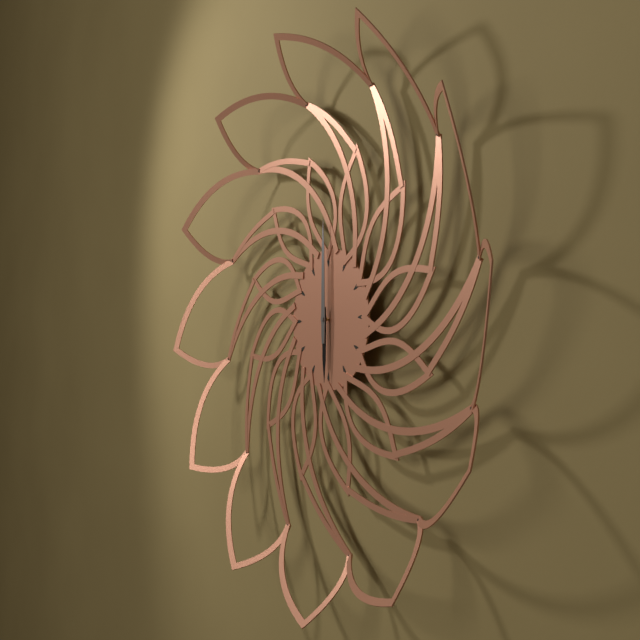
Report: 6.00
